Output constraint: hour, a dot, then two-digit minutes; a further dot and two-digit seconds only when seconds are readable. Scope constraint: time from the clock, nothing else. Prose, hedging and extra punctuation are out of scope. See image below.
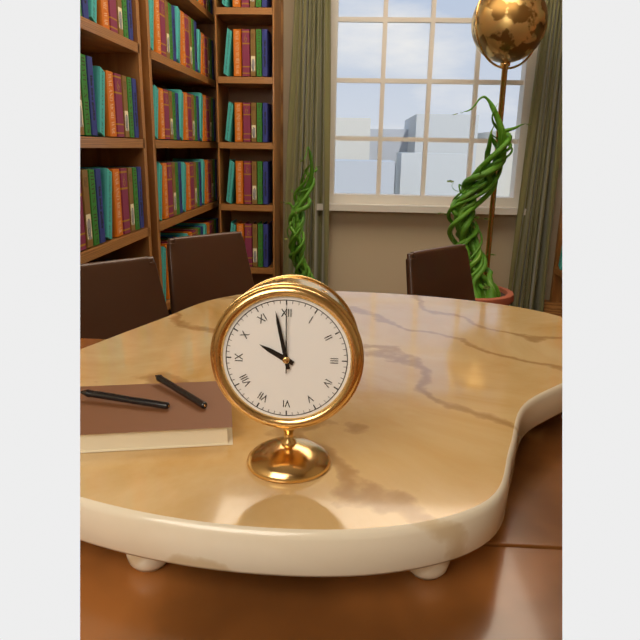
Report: 9.58.00
